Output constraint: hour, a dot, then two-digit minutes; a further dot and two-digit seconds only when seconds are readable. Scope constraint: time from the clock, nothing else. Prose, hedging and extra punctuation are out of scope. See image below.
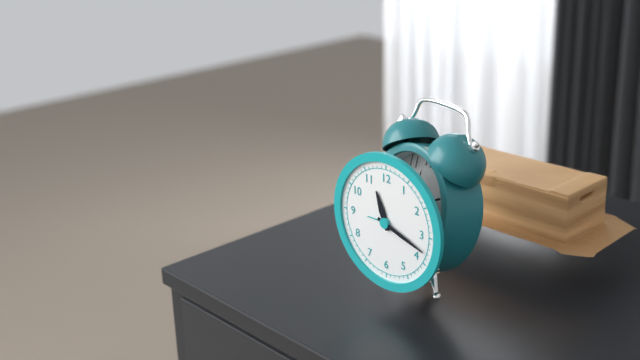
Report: 11.18
